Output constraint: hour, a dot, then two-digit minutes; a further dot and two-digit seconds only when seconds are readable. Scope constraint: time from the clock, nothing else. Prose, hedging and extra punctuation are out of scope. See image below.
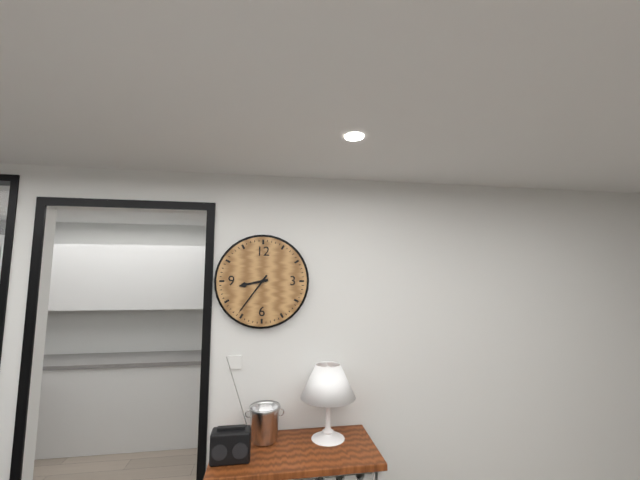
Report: 8.36
